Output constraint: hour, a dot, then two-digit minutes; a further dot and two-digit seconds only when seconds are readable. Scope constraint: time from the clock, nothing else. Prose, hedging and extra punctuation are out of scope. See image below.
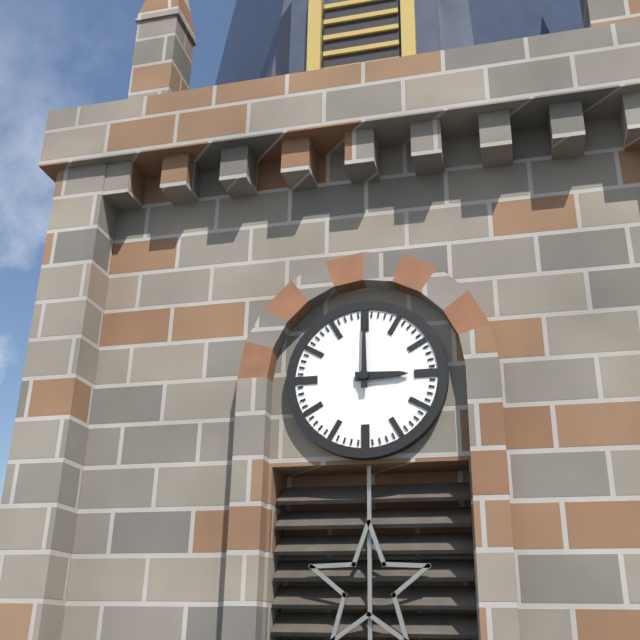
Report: 3.00
